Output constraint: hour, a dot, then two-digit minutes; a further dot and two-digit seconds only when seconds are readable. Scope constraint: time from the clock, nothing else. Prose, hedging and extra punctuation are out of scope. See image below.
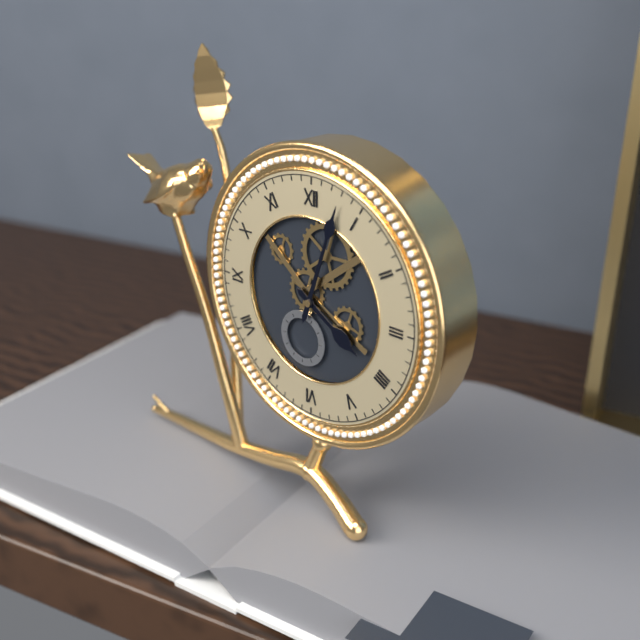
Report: 4.03
